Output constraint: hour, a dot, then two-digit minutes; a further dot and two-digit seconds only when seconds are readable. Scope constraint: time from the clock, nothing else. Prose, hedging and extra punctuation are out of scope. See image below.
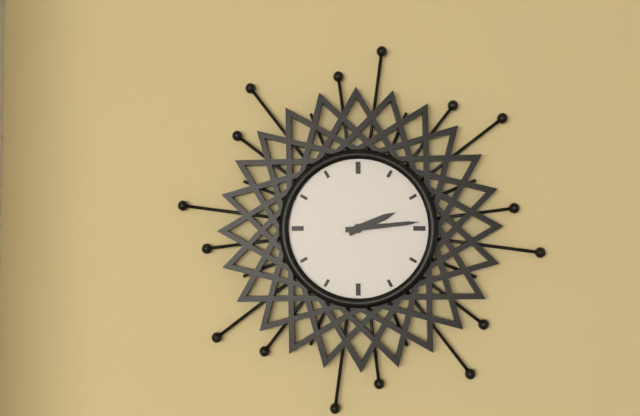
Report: 2.14
